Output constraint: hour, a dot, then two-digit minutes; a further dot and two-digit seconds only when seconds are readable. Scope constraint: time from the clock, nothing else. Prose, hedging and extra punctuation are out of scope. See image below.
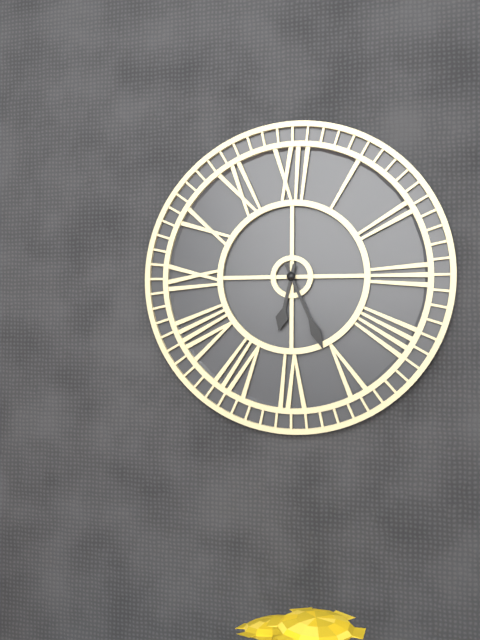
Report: 6.26
